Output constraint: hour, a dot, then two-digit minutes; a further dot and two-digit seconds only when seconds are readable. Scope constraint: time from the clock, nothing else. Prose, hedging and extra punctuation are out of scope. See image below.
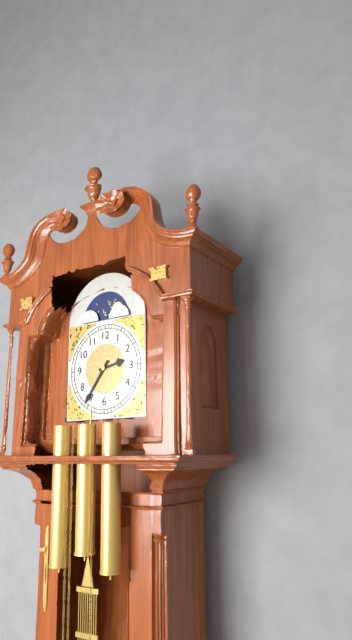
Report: 2.36
